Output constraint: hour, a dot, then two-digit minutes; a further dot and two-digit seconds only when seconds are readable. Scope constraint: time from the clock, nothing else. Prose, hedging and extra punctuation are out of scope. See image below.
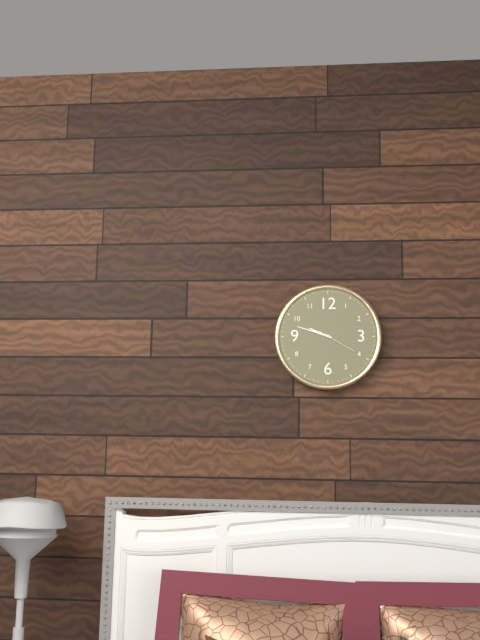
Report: 9.48
